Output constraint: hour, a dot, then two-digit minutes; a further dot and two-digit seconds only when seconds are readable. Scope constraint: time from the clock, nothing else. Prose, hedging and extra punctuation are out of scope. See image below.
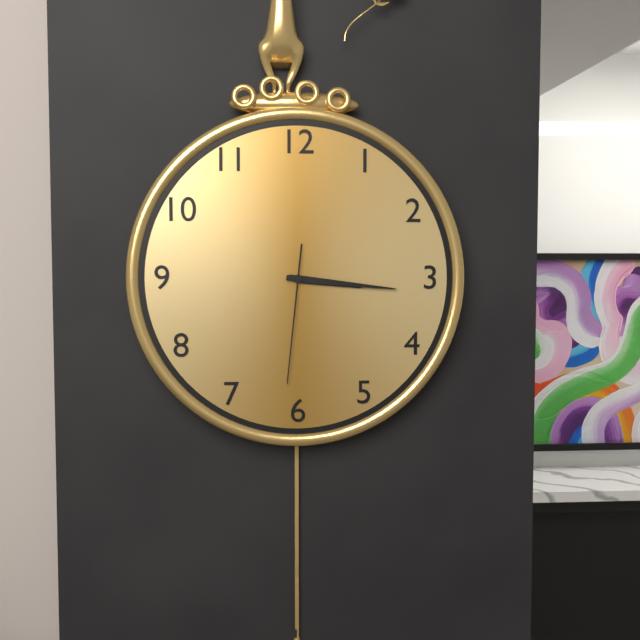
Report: 3.16.31
